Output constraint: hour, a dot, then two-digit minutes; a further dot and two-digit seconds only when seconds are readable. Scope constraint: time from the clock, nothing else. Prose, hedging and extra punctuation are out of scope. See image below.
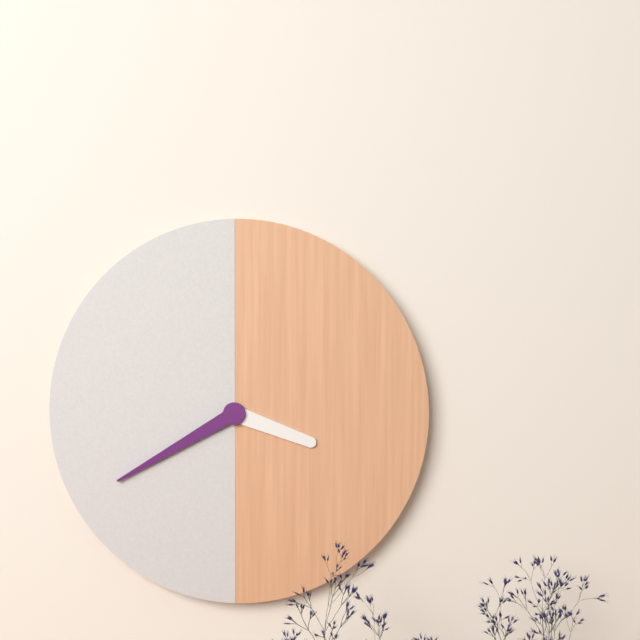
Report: 3.40
